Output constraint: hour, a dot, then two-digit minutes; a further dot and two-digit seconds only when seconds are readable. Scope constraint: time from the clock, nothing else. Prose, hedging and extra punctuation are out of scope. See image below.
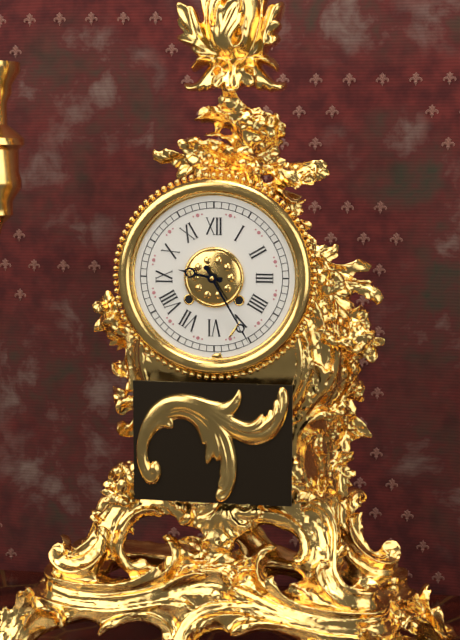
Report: 9.25
